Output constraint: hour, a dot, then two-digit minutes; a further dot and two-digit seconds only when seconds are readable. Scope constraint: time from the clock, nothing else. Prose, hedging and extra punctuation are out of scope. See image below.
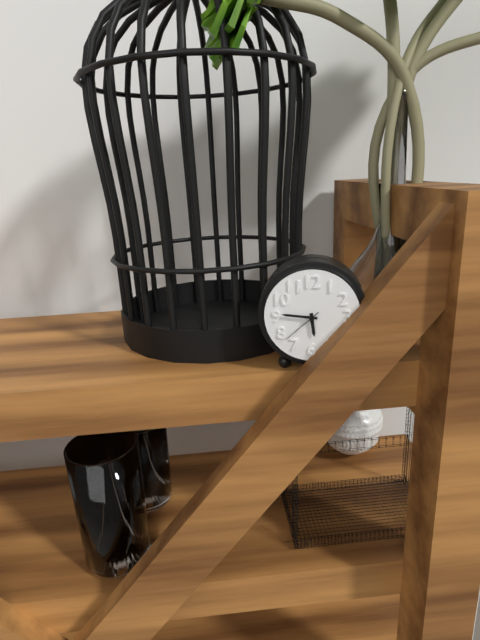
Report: 5.46
